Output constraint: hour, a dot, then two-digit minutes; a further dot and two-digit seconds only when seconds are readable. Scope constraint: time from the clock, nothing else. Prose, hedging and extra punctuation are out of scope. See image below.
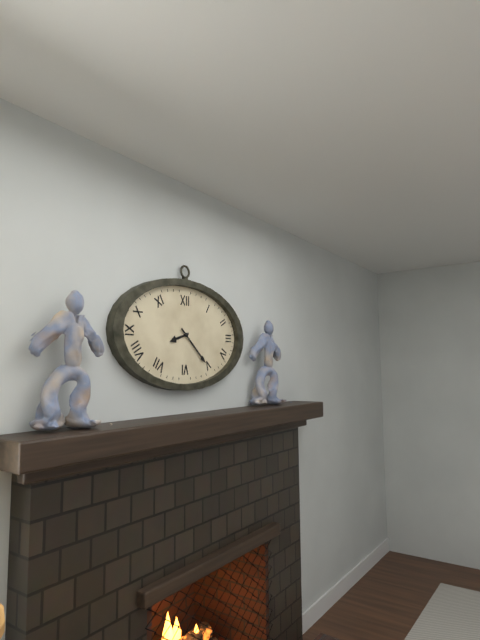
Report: 8.22
